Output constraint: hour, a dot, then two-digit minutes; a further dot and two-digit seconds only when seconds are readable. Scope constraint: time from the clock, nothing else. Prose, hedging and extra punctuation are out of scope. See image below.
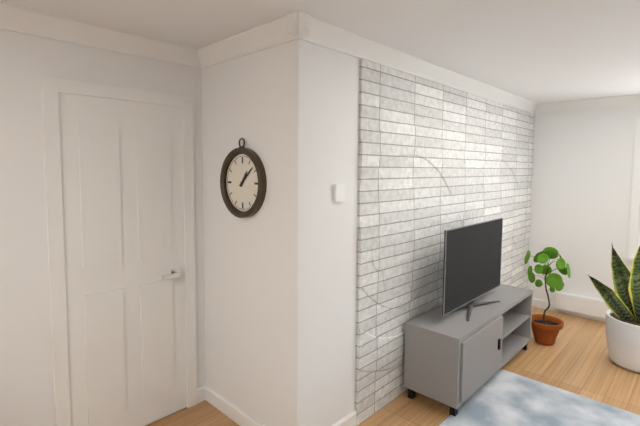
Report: 1.08
